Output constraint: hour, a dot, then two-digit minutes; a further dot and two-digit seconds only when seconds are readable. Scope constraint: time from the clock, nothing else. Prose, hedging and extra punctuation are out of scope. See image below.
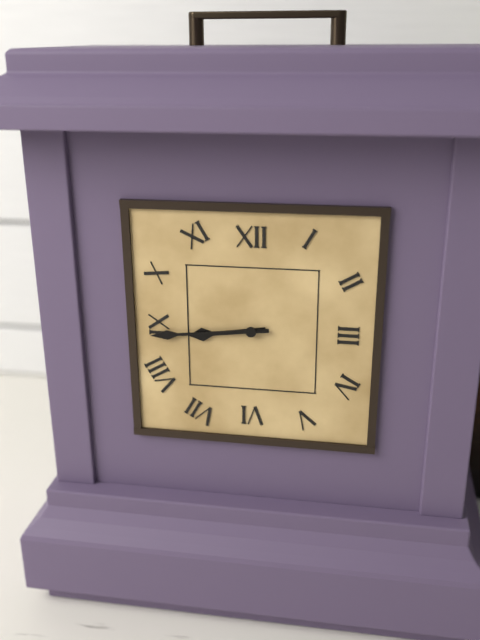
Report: 8.44
